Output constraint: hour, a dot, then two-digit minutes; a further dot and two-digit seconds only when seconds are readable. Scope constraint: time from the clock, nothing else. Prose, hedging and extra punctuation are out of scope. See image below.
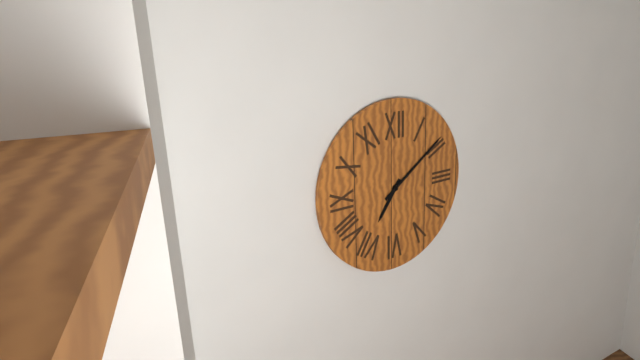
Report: 7.09
